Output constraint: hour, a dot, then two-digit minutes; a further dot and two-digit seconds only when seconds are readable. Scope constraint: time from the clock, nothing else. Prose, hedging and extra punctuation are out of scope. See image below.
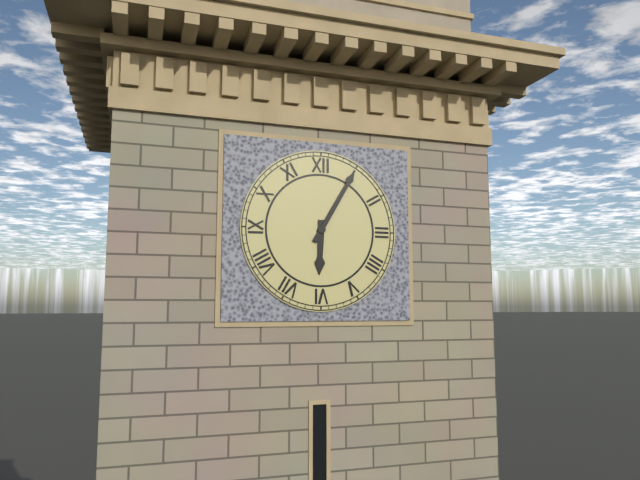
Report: 6.05
